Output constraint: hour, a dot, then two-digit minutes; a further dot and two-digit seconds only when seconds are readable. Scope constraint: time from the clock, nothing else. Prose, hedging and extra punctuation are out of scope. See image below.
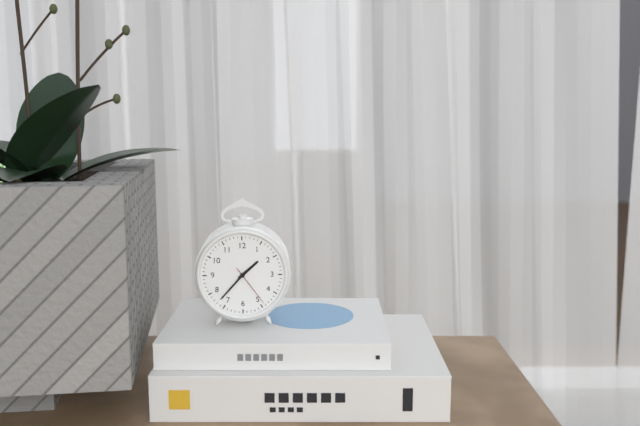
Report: 1.37
